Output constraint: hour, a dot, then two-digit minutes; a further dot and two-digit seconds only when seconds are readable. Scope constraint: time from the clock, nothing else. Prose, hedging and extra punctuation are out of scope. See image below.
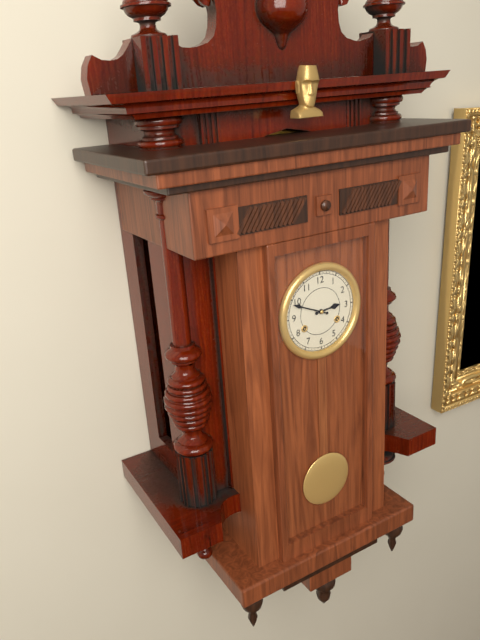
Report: 2.49
